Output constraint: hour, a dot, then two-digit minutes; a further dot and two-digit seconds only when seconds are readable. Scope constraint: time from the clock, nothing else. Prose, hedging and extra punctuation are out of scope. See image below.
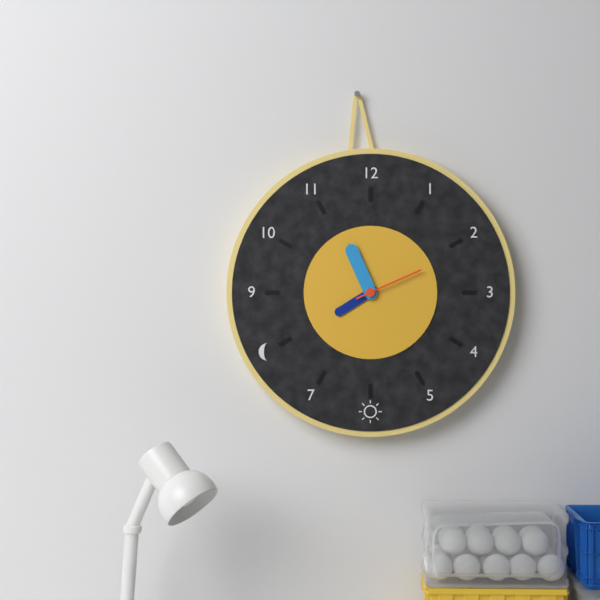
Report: 7.56.11
